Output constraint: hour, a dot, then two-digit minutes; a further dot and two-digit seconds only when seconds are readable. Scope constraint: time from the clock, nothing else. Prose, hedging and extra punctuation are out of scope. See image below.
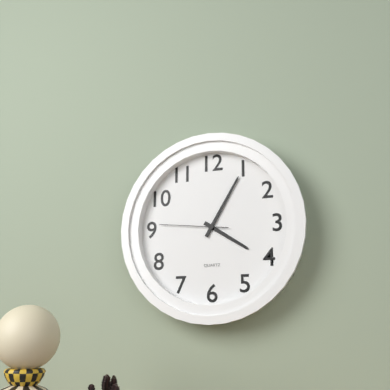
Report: 4.05.46
